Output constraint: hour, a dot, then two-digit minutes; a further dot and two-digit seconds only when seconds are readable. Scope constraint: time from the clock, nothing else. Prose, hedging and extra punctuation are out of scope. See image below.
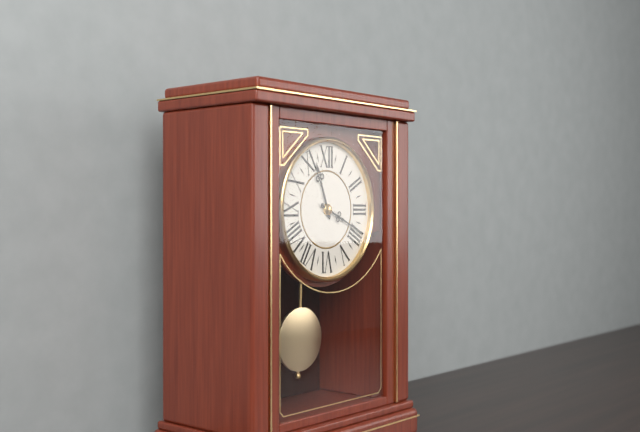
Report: 11.19
